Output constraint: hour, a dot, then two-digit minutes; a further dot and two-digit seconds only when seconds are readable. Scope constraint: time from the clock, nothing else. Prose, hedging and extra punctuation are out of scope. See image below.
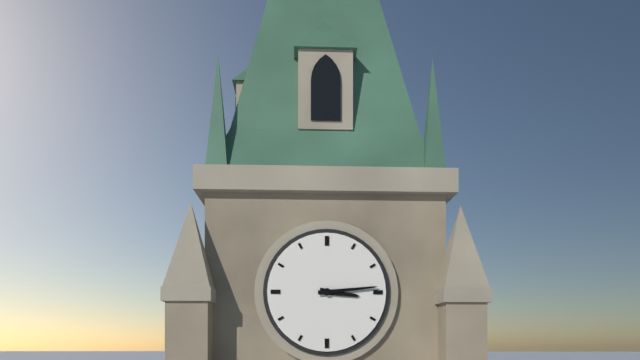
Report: 3.14
